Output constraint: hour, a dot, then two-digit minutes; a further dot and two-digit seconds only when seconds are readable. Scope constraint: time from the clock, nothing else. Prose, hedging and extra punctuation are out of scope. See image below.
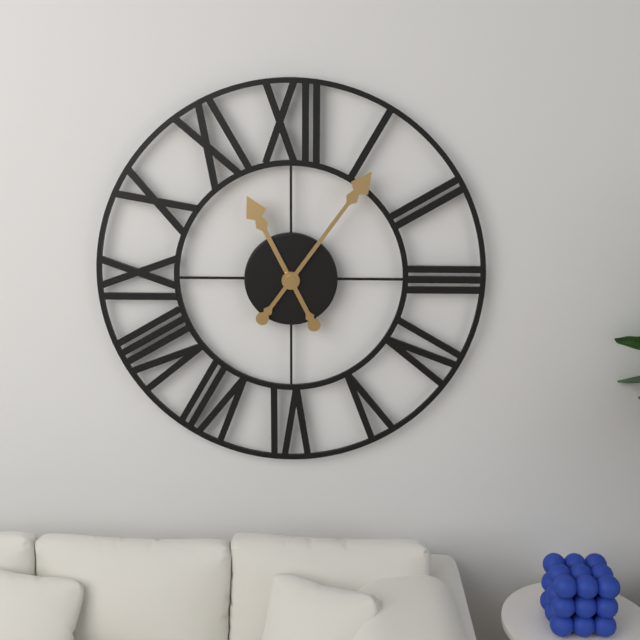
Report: 11.06
